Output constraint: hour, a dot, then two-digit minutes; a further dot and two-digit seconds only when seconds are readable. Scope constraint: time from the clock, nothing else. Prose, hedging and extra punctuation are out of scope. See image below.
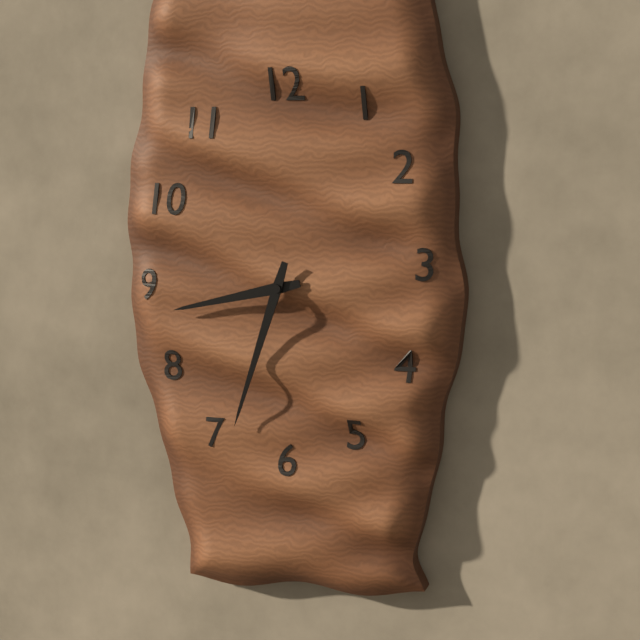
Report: 8.33
